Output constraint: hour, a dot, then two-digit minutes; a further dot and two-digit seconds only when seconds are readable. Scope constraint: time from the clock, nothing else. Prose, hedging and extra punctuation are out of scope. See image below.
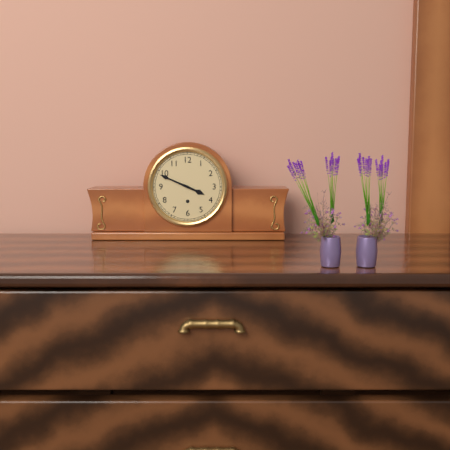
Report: 3.49
